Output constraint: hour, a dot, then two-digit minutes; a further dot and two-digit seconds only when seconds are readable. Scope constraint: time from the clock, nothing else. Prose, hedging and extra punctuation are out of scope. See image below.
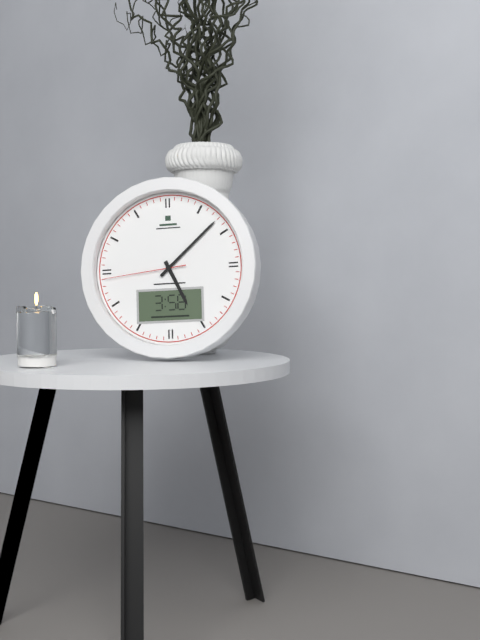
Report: 5.08.44
